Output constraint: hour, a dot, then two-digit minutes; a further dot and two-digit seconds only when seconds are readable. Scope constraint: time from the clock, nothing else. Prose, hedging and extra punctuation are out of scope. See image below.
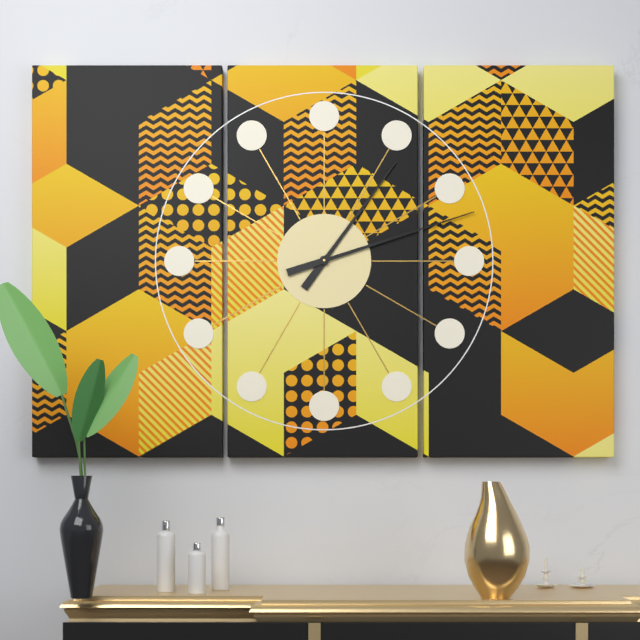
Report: 1.12
